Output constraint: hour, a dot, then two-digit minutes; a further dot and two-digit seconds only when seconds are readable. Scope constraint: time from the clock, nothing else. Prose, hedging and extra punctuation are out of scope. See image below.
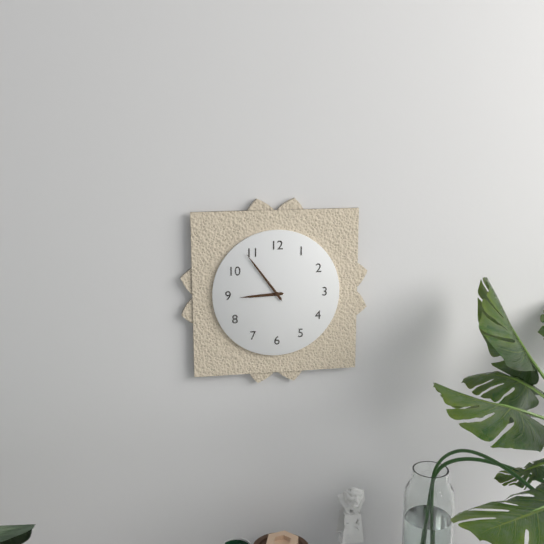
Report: 8.54
